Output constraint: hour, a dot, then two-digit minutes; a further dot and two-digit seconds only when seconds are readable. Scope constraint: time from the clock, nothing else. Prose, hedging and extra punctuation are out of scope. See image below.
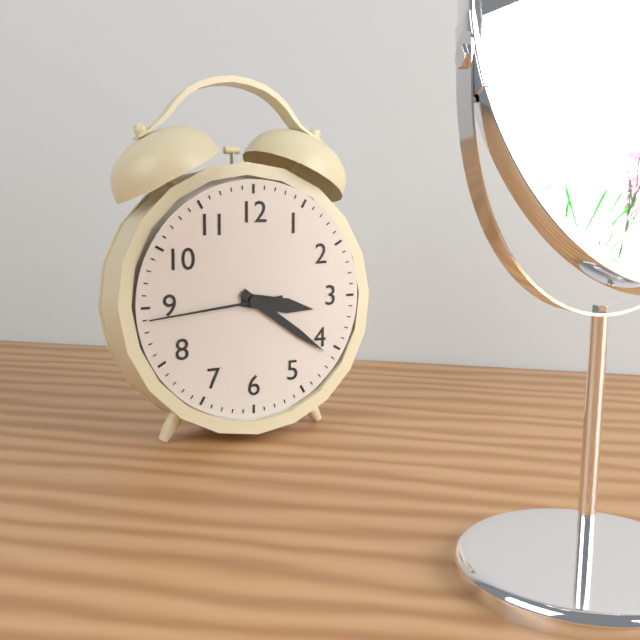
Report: 3.21.44
